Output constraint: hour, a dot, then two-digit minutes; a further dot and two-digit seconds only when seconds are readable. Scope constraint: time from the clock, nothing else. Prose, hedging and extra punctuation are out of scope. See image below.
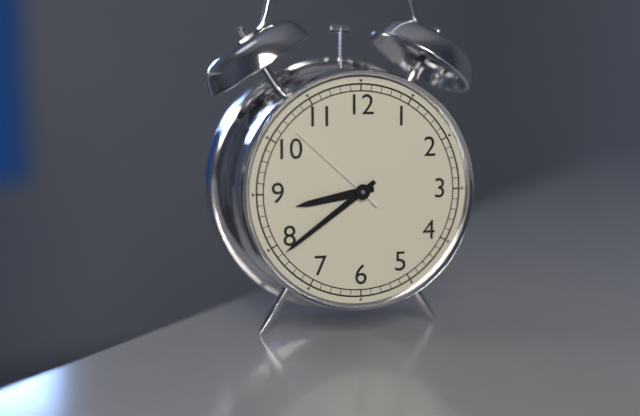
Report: 8.39.52
